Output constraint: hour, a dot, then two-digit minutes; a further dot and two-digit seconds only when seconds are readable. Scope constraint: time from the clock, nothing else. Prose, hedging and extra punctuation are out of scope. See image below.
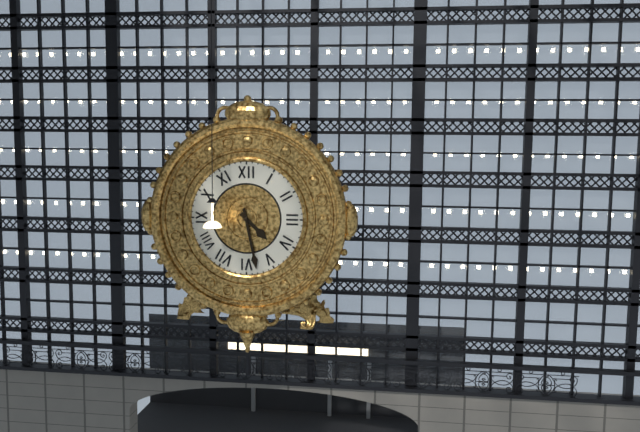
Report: 4.28
